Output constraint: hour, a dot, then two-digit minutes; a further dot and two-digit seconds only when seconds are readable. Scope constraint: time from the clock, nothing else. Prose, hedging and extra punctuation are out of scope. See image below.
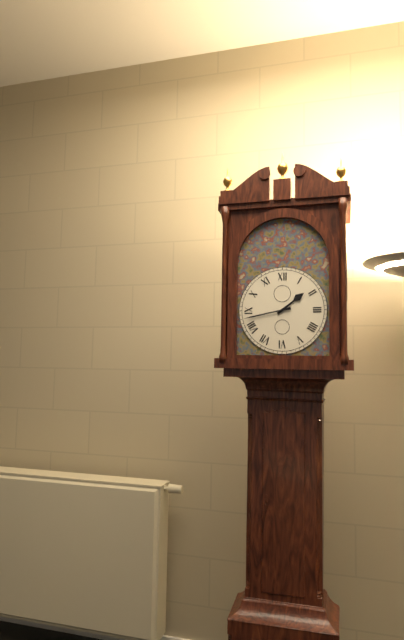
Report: 1.43
